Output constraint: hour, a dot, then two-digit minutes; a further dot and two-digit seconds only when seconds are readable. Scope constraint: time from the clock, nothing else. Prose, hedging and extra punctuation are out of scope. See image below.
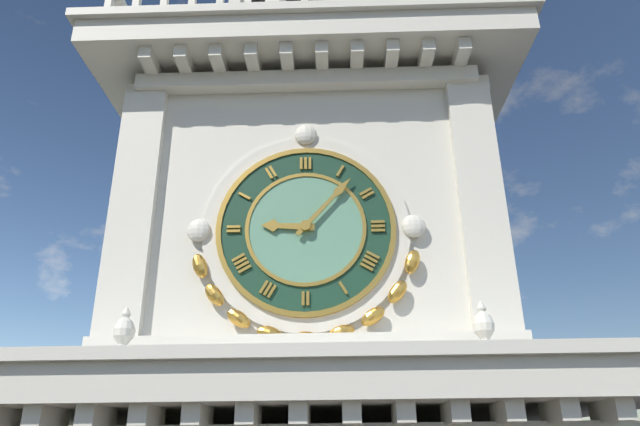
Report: 9.07
